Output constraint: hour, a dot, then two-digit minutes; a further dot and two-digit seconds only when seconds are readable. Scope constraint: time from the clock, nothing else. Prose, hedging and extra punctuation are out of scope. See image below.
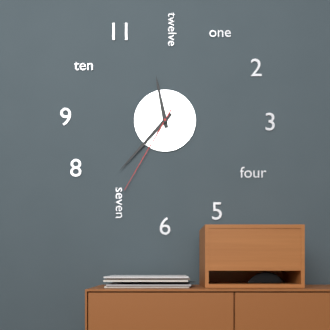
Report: 11.37.35
